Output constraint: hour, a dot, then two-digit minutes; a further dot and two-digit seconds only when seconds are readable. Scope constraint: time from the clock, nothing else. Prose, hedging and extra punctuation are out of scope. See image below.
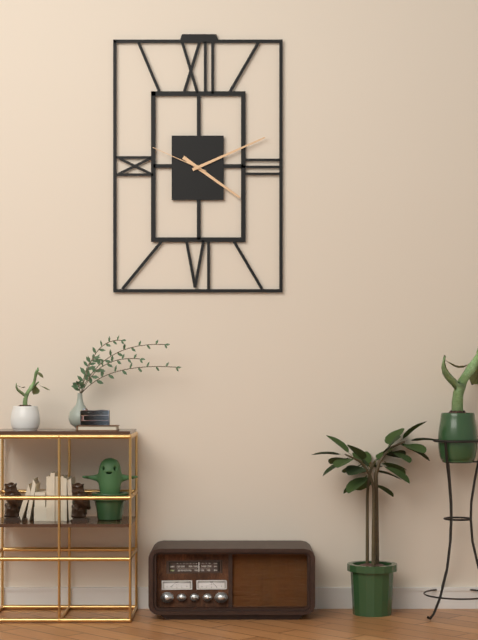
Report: 4.11.49
